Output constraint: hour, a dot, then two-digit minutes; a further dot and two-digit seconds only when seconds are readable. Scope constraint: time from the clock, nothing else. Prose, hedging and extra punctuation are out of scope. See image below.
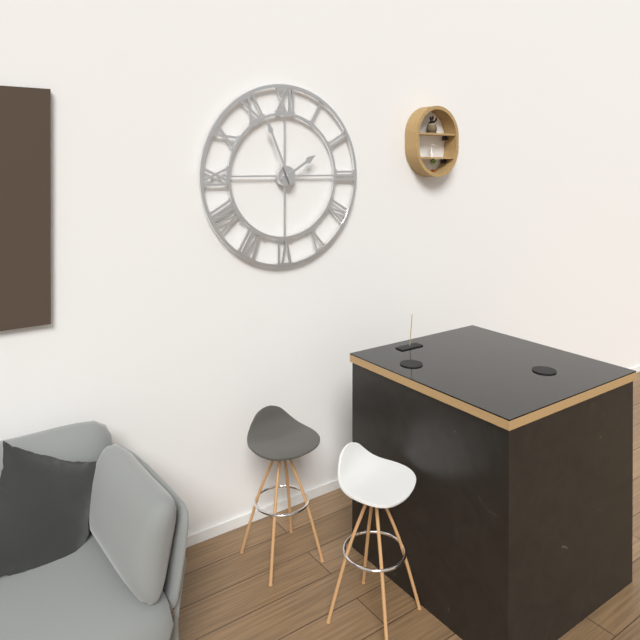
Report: 1.56
